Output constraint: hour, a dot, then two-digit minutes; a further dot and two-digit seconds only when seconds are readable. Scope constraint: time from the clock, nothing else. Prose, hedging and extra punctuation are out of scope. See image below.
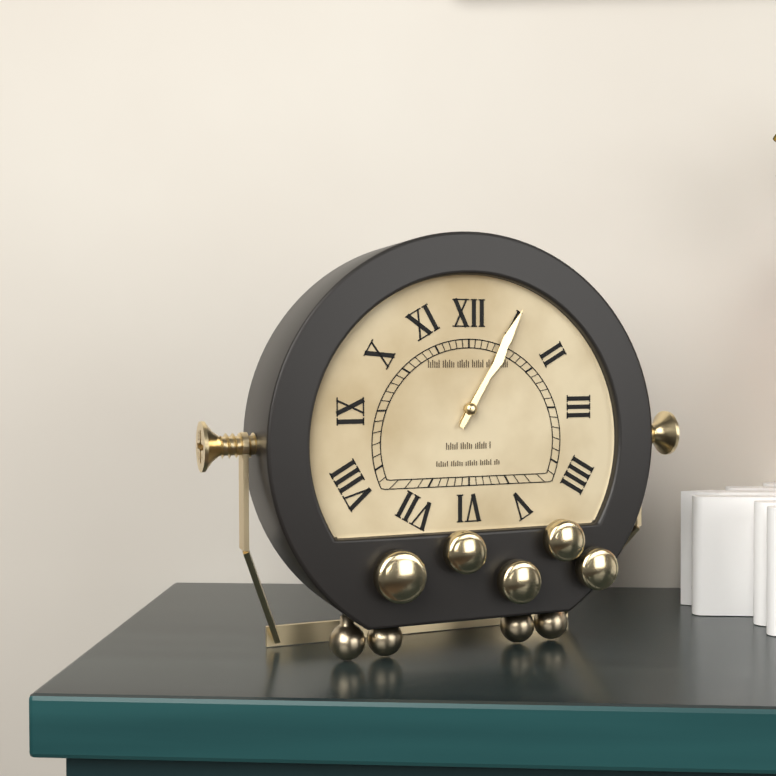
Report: 1.05
